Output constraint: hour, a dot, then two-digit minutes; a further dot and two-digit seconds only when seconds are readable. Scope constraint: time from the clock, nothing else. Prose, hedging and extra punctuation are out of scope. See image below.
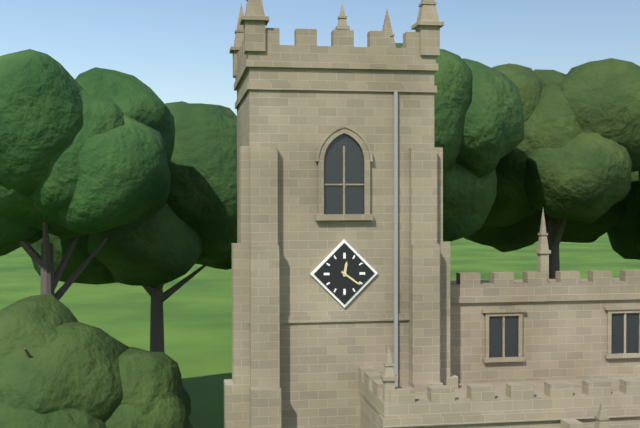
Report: 12.21
